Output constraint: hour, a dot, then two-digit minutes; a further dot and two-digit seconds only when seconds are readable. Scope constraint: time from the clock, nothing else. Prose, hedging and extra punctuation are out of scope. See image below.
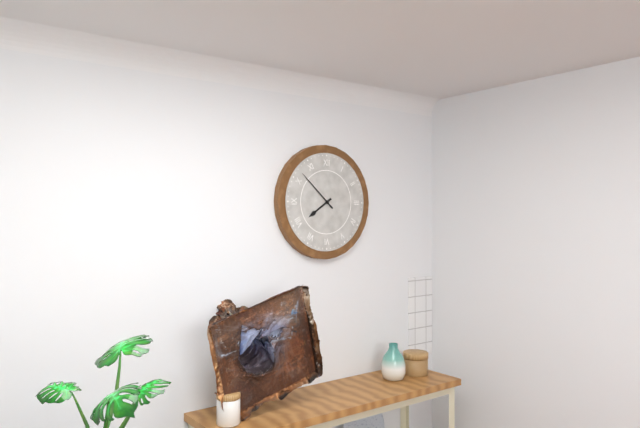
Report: 7.52
